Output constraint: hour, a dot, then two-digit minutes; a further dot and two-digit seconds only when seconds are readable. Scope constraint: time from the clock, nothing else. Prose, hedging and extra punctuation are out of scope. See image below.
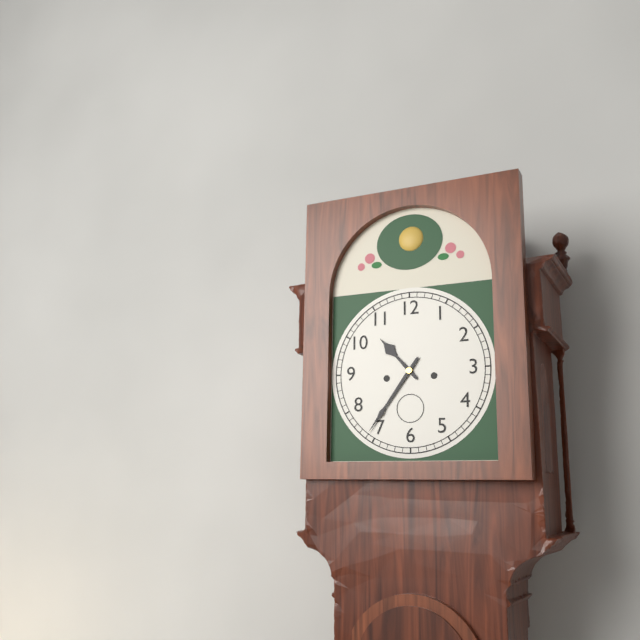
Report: 10.36
